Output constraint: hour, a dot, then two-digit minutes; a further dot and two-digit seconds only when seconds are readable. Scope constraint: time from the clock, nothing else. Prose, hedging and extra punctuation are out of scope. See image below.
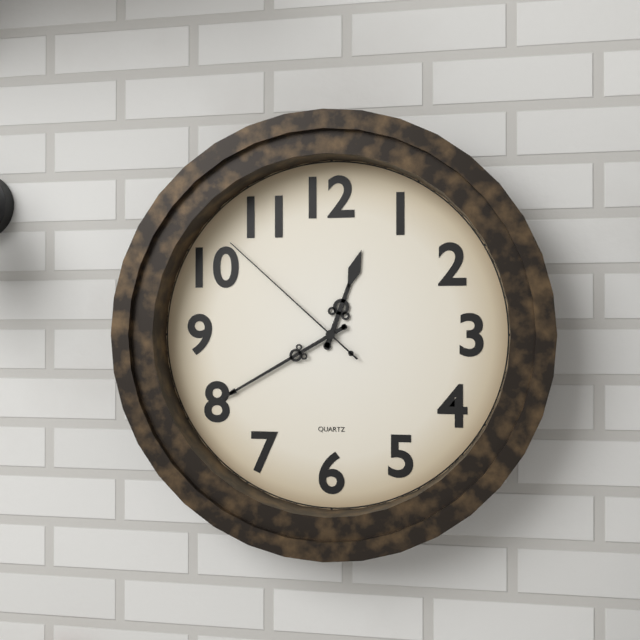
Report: 12.40.52
